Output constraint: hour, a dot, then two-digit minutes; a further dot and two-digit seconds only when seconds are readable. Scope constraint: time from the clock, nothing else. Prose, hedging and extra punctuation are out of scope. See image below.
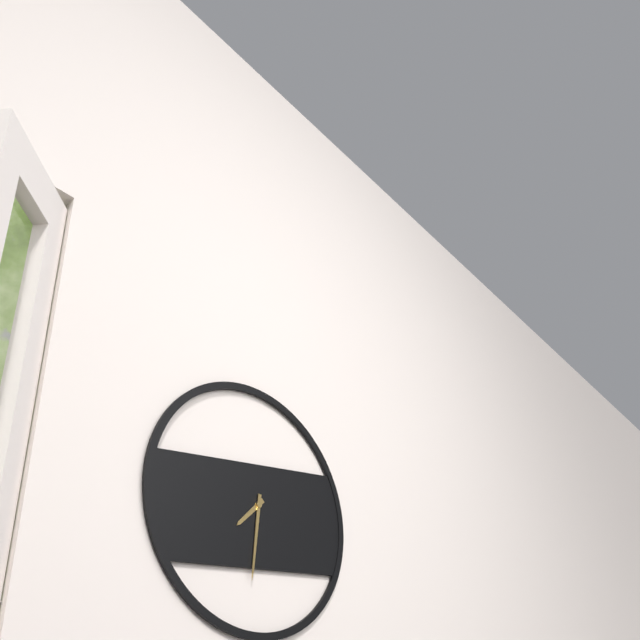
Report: 7.31
